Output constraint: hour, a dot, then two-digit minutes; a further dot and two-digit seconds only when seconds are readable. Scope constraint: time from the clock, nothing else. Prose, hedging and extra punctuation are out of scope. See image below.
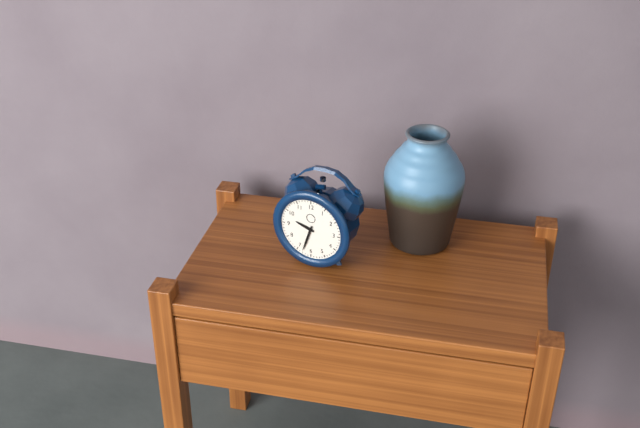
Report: 9.33
